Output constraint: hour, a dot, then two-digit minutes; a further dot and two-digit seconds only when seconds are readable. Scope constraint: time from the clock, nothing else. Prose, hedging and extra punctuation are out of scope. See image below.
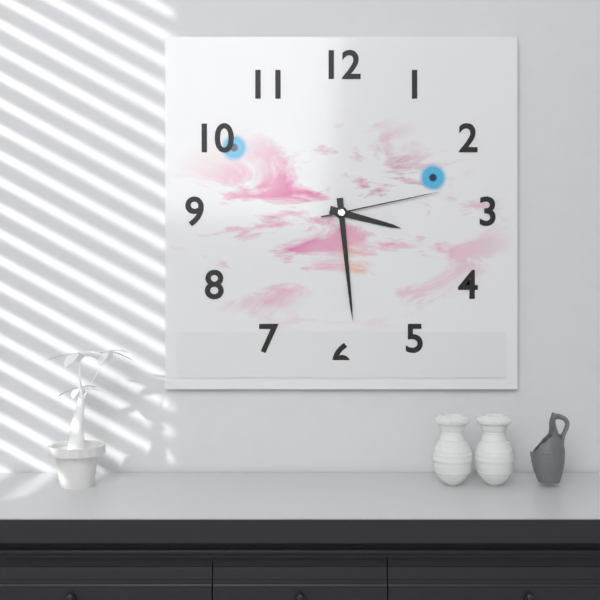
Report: 3.29.13
